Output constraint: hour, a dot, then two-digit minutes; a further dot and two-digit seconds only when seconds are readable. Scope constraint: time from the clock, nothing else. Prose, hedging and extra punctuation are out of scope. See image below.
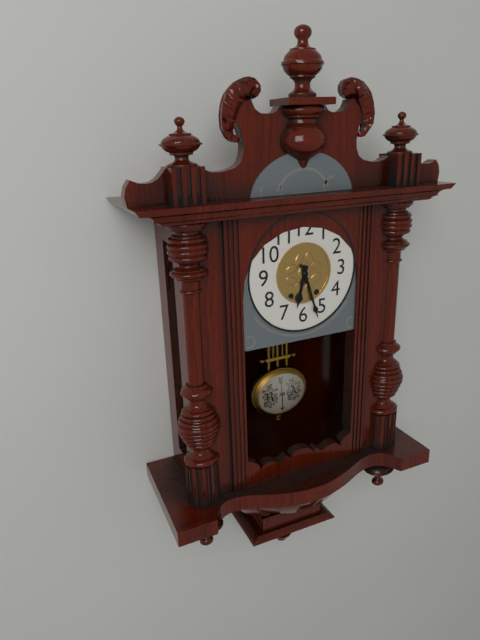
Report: 6.27
